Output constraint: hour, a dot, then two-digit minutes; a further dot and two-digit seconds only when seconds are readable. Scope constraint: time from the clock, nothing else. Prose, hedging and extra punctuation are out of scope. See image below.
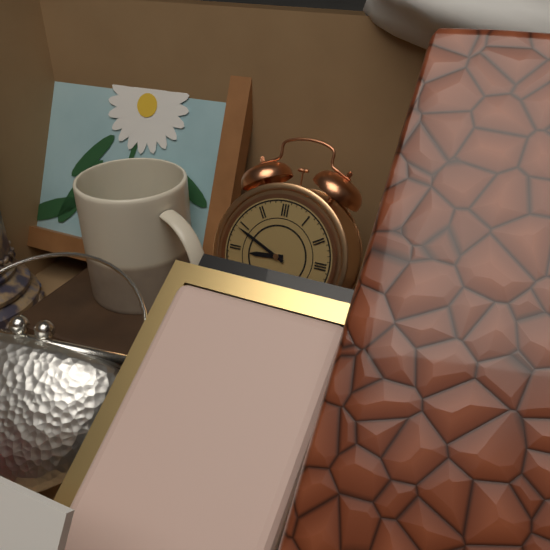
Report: 8.49
